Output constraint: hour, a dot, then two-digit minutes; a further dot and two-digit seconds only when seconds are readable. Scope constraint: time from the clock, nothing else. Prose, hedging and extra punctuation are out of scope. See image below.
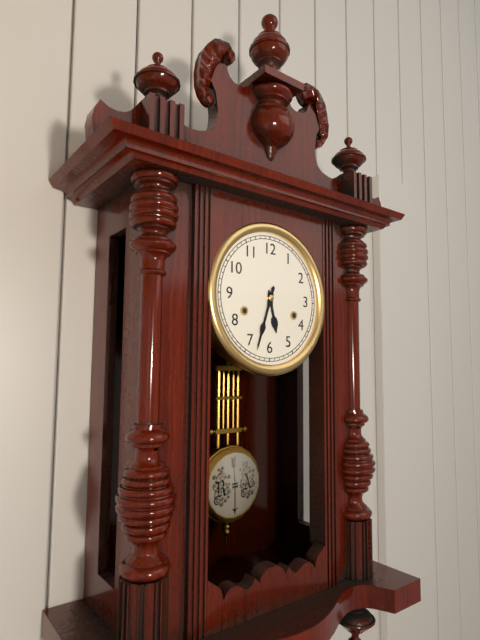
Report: 5.33
